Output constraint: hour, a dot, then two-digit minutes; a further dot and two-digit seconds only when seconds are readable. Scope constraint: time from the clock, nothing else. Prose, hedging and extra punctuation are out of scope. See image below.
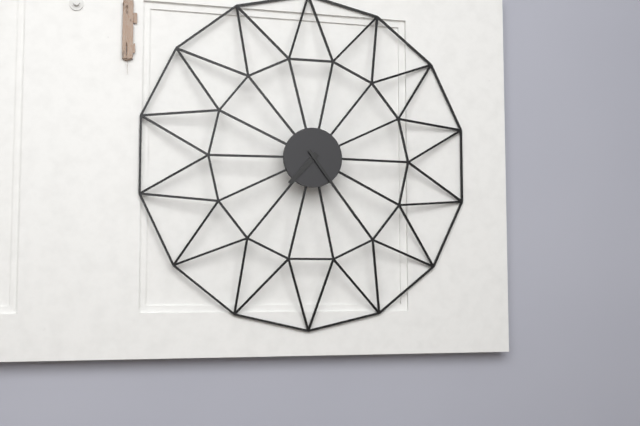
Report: 7.24
